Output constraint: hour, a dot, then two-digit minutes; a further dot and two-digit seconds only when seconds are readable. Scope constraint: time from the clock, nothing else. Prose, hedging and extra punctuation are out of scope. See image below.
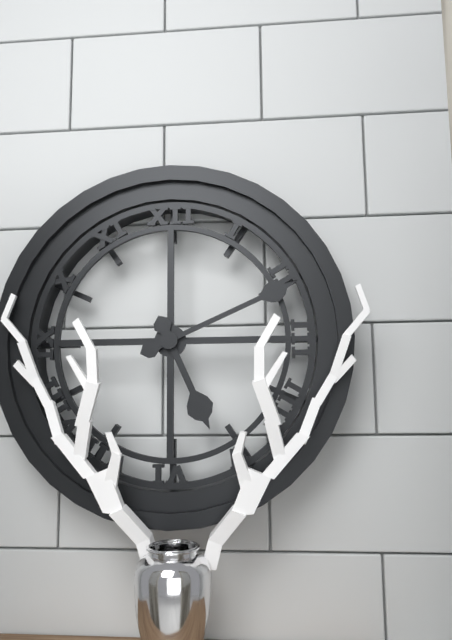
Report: 5.11
